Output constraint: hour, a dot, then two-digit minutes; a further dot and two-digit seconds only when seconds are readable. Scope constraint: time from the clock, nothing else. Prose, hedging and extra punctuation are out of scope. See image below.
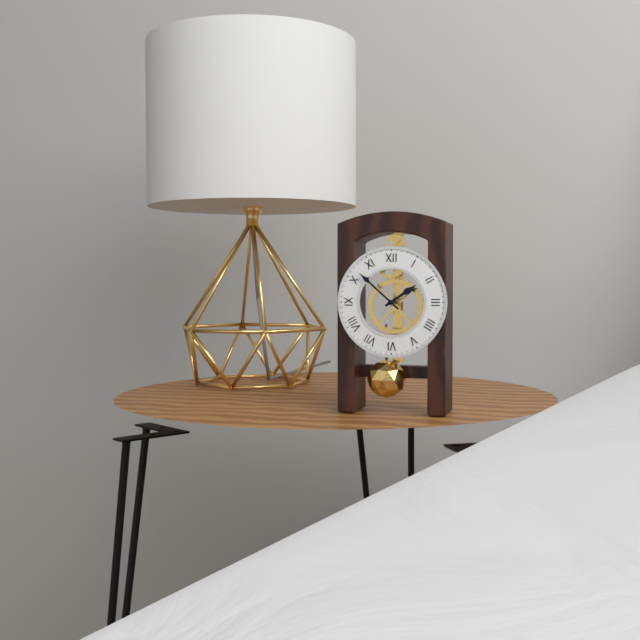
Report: 1.52
